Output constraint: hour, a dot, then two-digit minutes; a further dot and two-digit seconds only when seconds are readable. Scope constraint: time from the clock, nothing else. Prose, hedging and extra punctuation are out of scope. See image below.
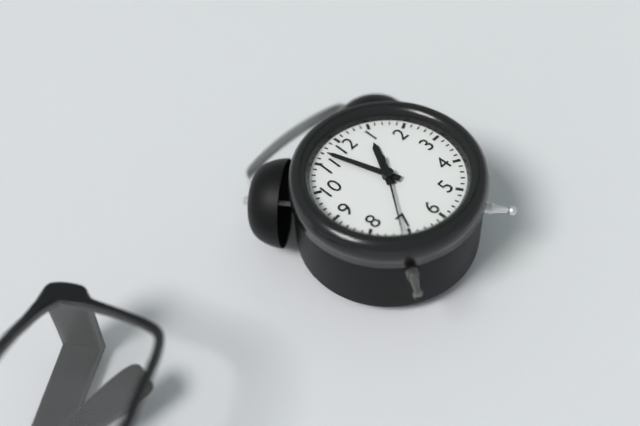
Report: 12.57.36
